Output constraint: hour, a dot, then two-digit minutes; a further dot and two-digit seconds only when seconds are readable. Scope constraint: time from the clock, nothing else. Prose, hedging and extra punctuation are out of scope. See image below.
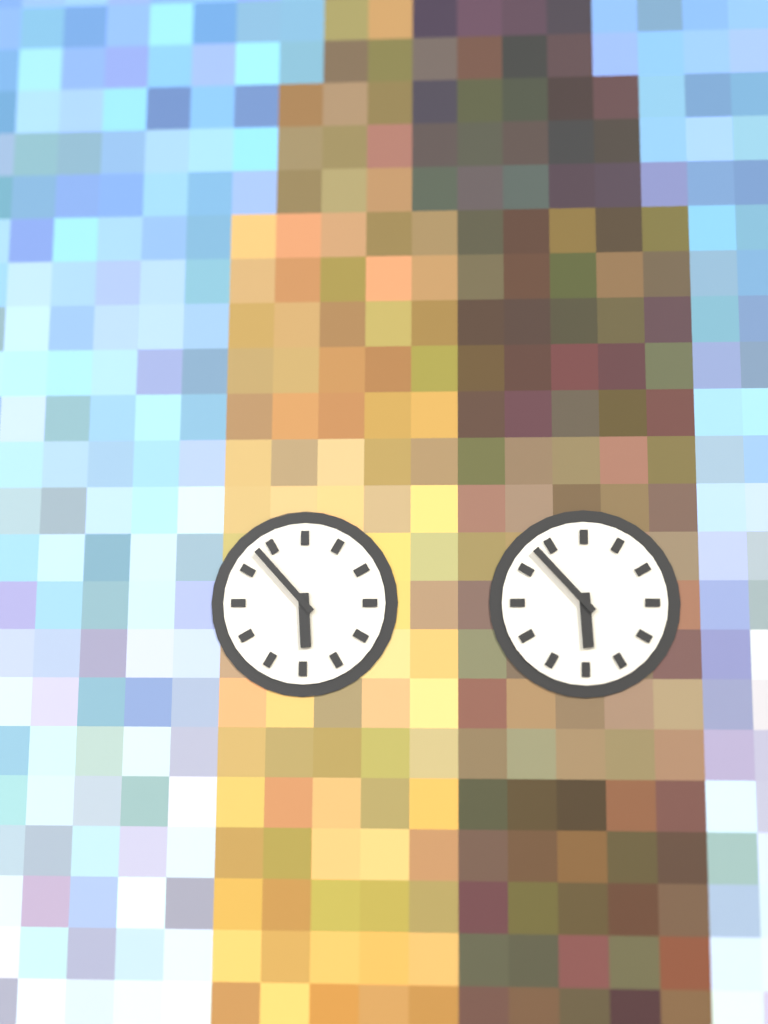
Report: 5.53
